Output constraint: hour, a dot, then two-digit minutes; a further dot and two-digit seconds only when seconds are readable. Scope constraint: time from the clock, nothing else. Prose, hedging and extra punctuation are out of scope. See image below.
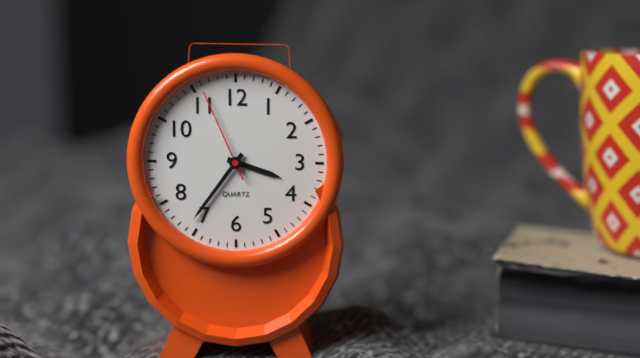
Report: 3.36.56
